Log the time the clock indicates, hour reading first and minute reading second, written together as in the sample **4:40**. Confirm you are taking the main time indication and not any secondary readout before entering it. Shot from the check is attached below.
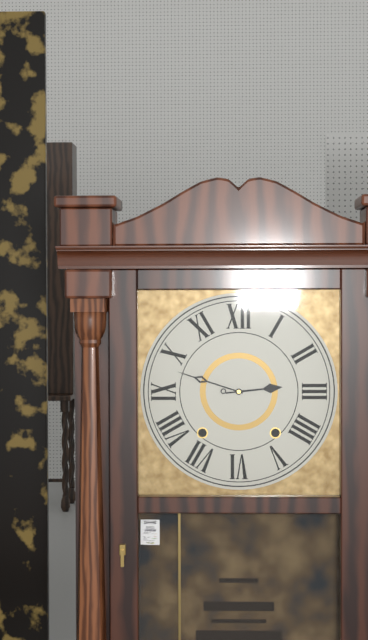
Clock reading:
**2:48**
